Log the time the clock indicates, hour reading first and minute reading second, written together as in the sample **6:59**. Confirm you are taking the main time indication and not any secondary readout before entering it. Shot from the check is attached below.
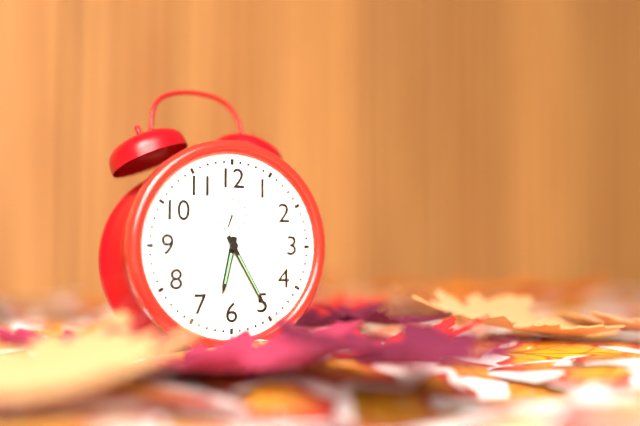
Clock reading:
**6:25**
